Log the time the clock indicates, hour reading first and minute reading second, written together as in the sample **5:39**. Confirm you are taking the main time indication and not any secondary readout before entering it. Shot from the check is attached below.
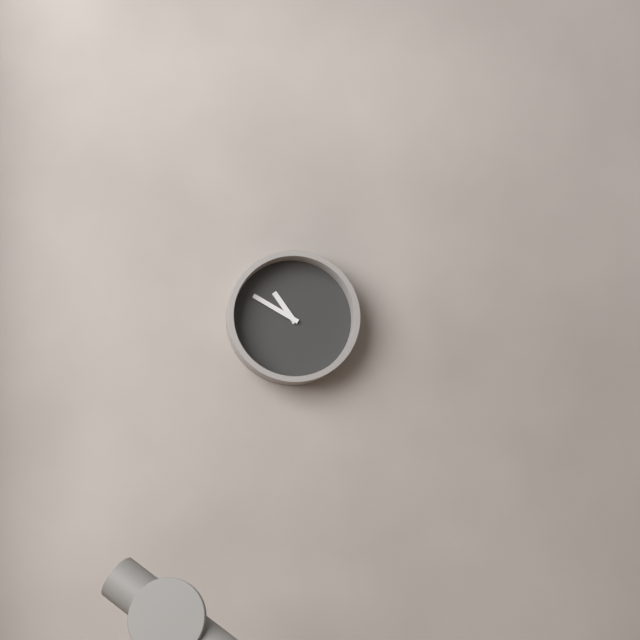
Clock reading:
**10:50**
